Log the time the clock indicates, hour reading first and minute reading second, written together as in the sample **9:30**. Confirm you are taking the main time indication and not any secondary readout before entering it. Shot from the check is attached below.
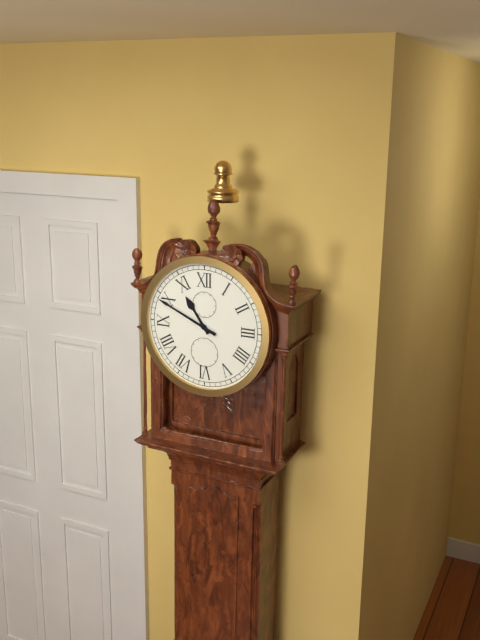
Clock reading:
**10:49**
